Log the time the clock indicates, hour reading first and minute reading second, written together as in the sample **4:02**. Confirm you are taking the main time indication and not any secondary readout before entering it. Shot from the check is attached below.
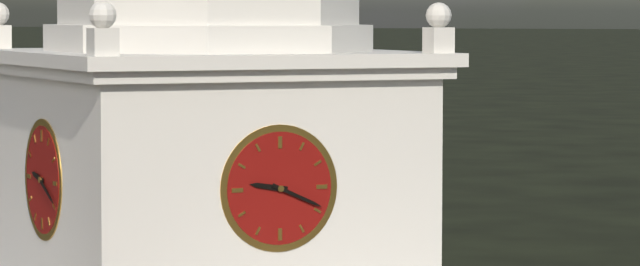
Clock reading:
**9:19**
